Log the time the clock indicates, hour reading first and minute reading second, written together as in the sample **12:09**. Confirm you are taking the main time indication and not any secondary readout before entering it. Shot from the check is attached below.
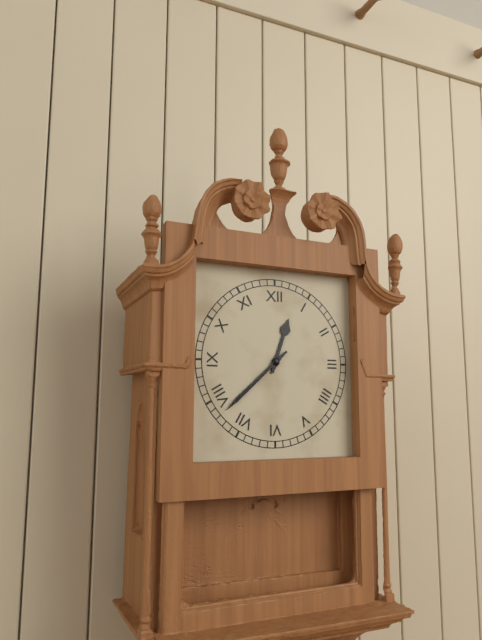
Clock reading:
**12:38**
